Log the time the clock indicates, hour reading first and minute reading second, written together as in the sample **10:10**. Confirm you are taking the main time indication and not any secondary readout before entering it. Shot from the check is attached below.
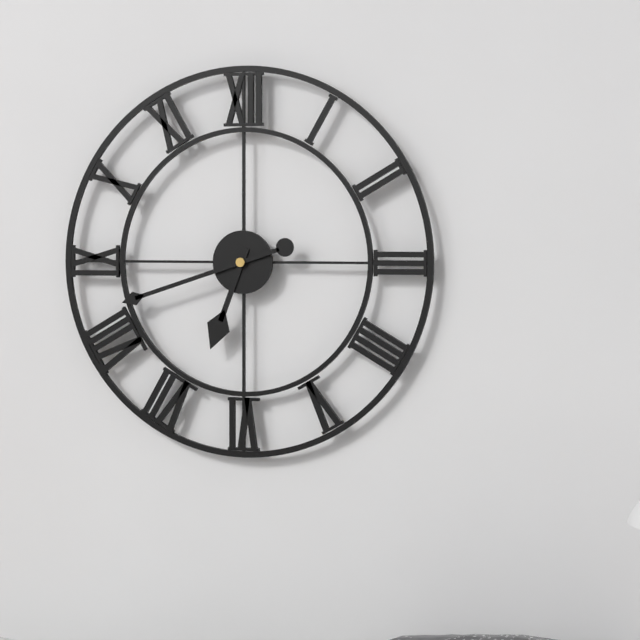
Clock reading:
**6:42**
